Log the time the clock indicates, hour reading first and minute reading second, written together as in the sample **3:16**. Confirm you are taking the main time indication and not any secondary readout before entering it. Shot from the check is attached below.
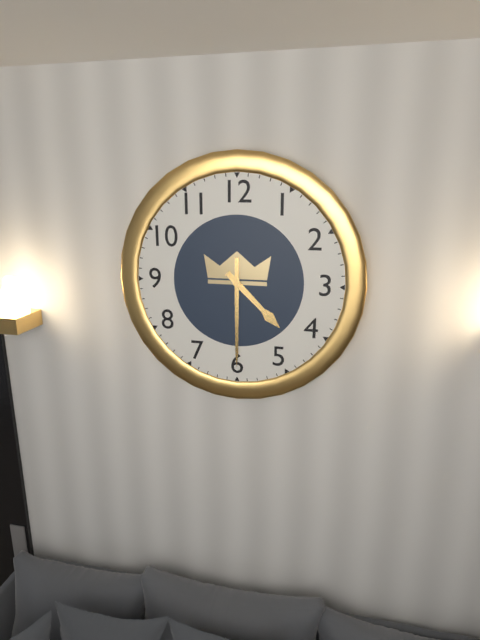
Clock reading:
**4:30**
